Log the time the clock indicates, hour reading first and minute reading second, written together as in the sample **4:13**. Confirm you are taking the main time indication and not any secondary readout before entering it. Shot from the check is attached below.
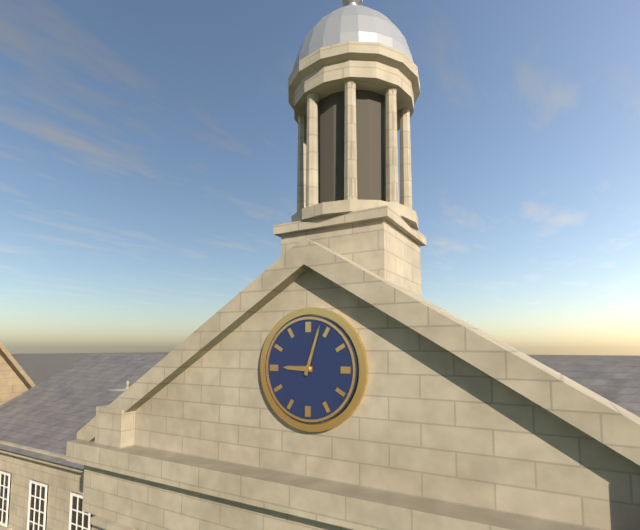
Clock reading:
**9:03**
